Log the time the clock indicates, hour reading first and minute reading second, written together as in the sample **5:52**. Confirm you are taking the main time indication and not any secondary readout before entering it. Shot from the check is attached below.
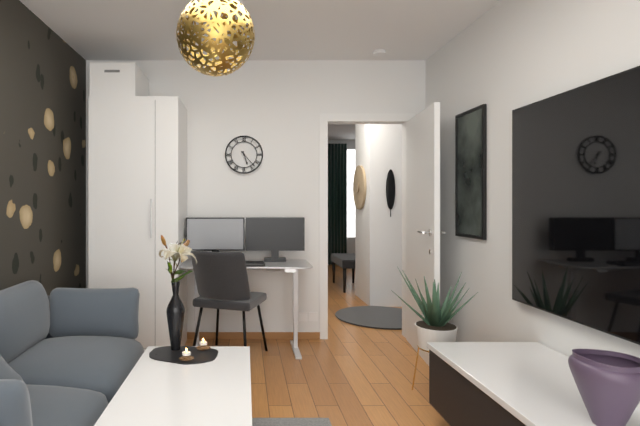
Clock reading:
**5:23**
